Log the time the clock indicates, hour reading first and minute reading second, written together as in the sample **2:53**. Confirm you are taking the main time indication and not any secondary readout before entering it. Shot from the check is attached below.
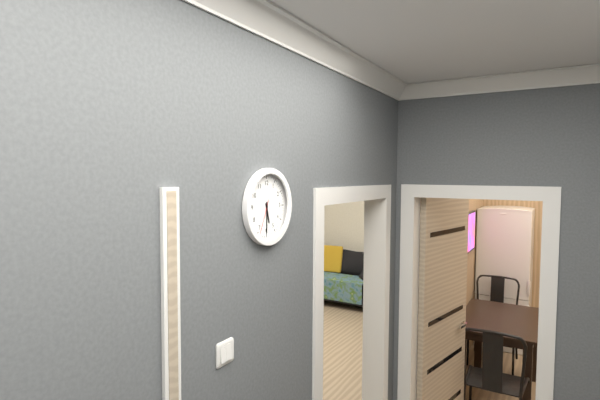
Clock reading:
**5:30**
